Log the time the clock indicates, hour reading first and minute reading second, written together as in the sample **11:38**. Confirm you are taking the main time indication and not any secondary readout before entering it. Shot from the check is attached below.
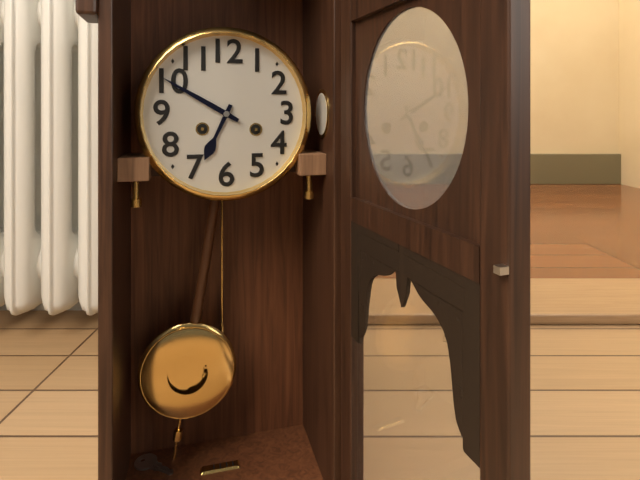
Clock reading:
**6:50**
